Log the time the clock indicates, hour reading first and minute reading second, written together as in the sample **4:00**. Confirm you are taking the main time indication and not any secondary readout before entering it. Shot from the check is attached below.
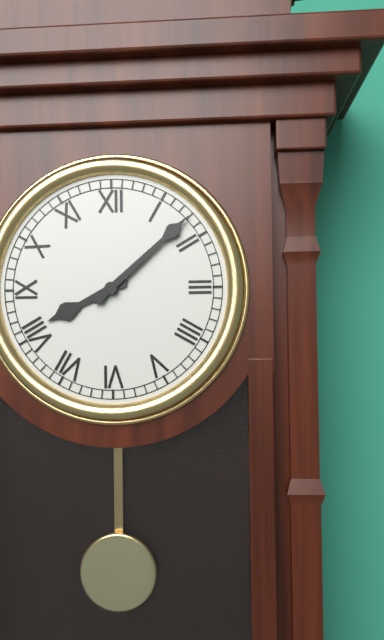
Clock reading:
**8:08**
